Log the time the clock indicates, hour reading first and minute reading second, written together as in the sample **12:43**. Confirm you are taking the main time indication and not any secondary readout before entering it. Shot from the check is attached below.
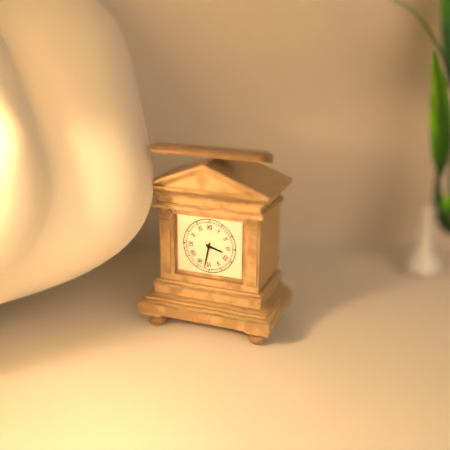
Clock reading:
**3:32**
